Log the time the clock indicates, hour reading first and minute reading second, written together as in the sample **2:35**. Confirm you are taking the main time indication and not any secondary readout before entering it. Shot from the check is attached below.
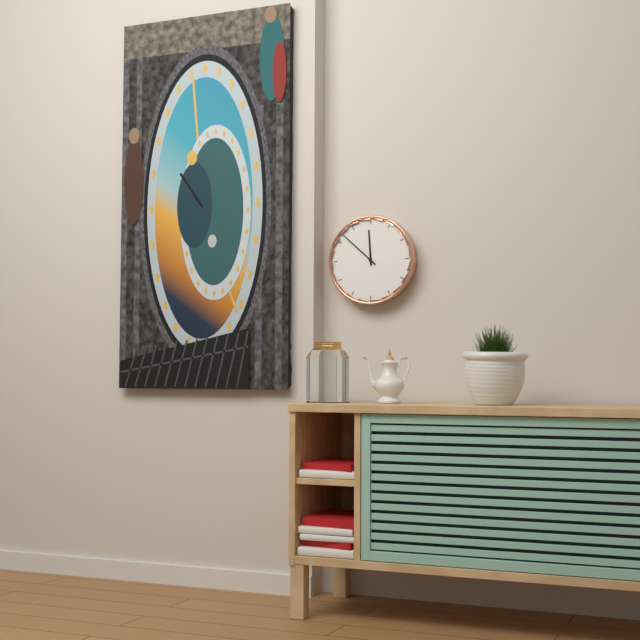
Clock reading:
**11:52**
